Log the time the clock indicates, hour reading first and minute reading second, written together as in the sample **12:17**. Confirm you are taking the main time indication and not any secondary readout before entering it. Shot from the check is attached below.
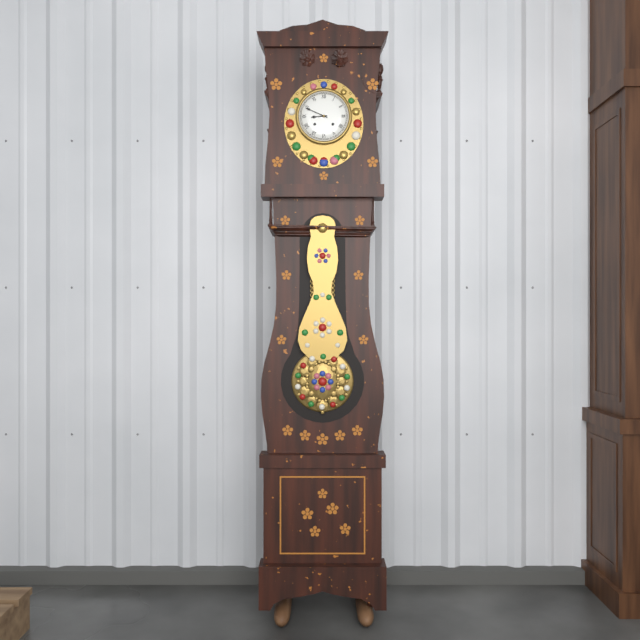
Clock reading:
**8:49**
